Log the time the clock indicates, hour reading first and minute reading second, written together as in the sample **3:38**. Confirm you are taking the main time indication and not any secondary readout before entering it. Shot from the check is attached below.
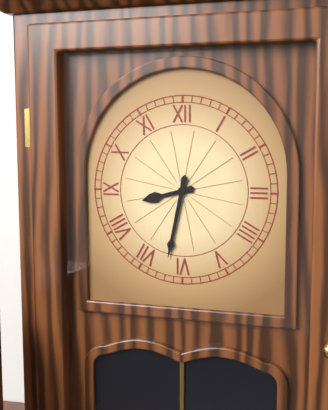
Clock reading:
**8:32**
